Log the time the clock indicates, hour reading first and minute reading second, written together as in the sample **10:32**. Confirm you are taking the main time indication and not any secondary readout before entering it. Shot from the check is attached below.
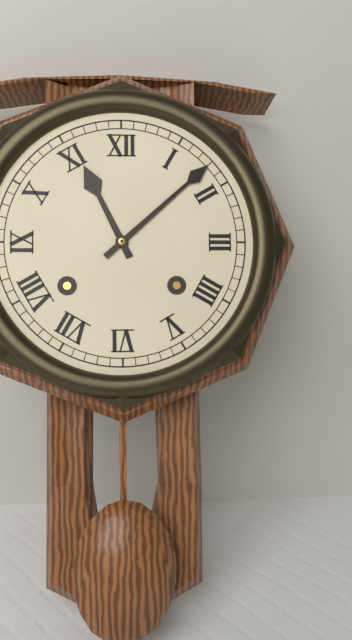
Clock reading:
**11:08**
